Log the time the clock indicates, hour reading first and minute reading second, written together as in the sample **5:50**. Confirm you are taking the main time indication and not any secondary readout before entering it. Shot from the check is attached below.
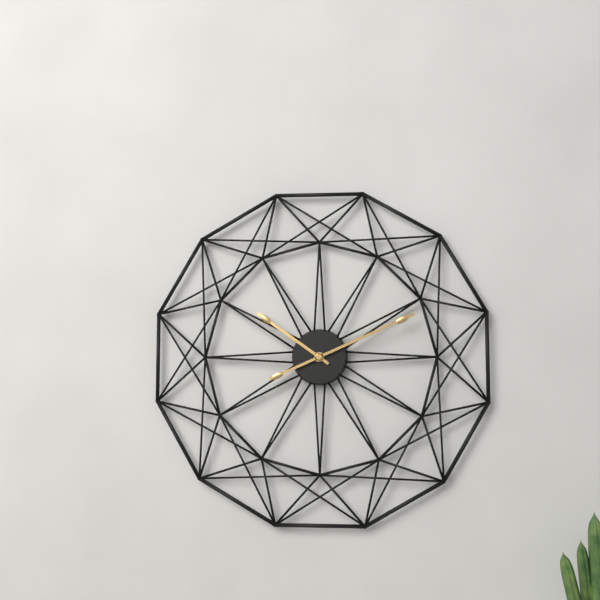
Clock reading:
**10:11**
